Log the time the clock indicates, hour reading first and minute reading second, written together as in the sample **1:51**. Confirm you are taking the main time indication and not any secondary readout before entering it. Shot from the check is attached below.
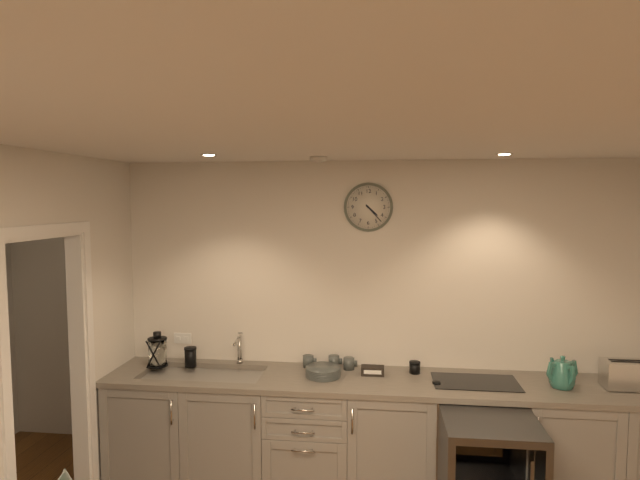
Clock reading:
**4:23**
